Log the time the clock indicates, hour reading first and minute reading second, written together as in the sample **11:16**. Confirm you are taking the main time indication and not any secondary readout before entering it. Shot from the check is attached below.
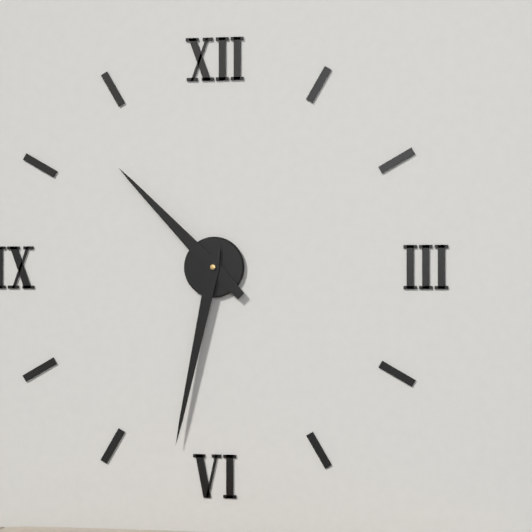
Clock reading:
**10:32**
